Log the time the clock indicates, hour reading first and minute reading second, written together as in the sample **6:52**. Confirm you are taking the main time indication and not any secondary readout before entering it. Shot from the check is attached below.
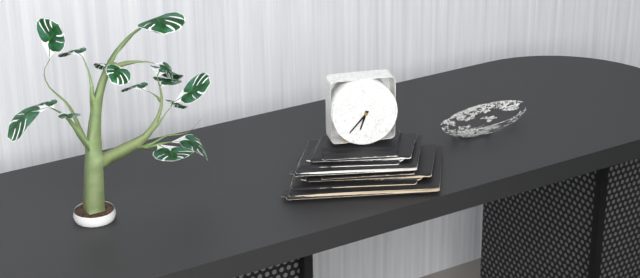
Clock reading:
**6:37**
